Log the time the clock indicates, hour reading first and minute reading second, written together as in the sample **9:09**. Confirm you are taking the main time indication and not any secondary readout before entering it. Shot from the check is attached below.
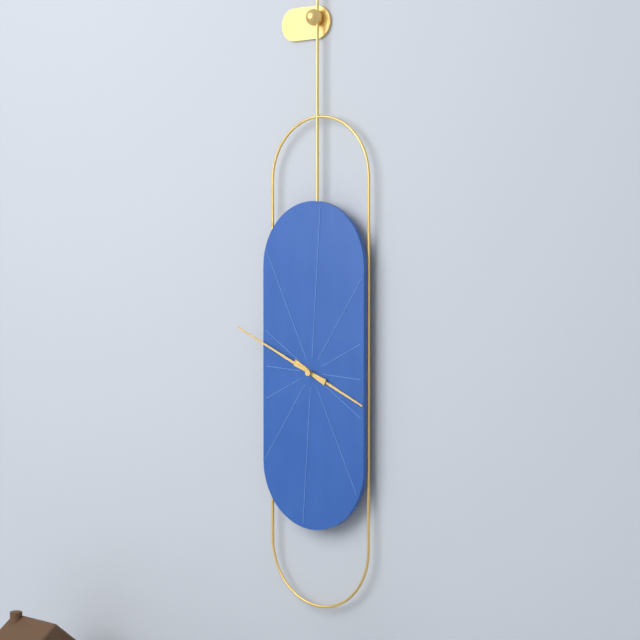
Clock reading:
**3:49**
